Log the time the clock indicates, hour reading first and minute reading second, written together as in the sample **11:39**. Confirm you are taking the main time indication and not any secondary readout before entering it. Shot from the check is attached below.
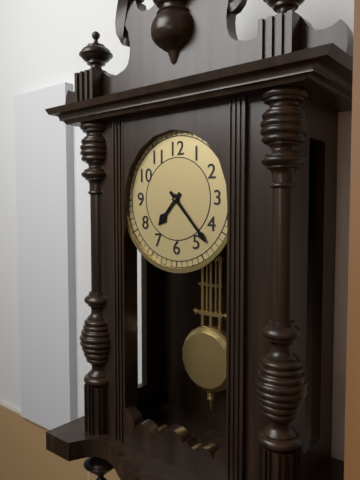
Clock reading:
**7:23**
